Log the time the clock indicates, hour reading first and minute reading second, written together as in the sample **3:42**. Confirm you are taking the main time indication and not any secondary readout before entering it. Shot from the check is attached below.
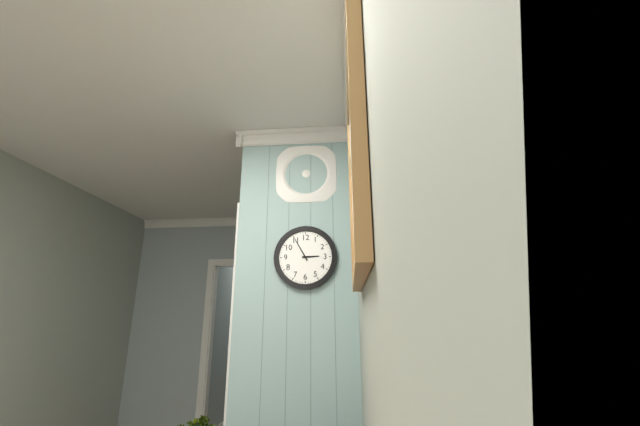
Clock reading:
**2:55**
